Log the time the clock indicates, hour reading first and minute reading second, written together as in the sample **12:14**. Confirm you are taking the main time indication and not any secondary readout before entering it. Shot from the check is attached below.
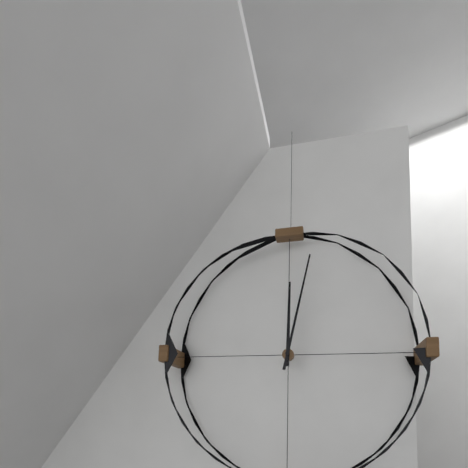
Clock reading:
**12:02**
